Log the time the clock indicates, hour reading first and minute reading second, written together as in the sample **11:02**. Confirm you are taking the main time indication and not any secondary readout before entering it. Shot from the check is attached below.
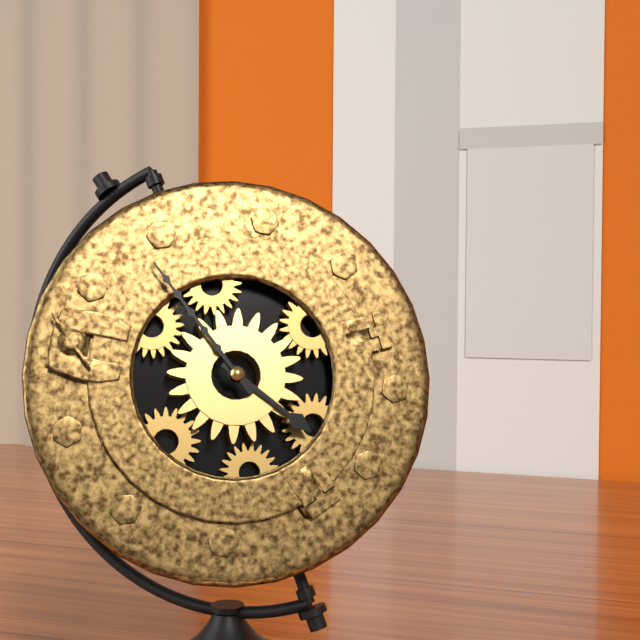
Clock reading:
**3:52**
